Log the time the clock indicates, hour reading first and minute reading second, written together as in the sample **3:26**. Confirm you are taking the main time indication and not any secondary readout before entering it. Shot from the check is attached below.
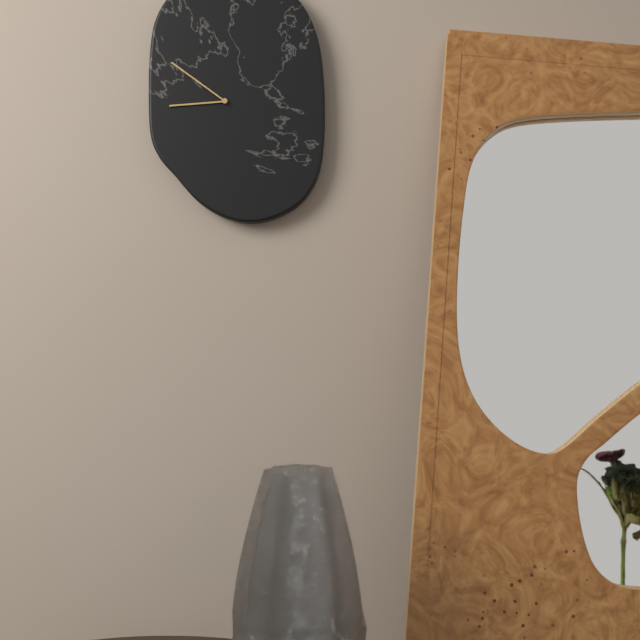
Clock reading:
**8:51**
